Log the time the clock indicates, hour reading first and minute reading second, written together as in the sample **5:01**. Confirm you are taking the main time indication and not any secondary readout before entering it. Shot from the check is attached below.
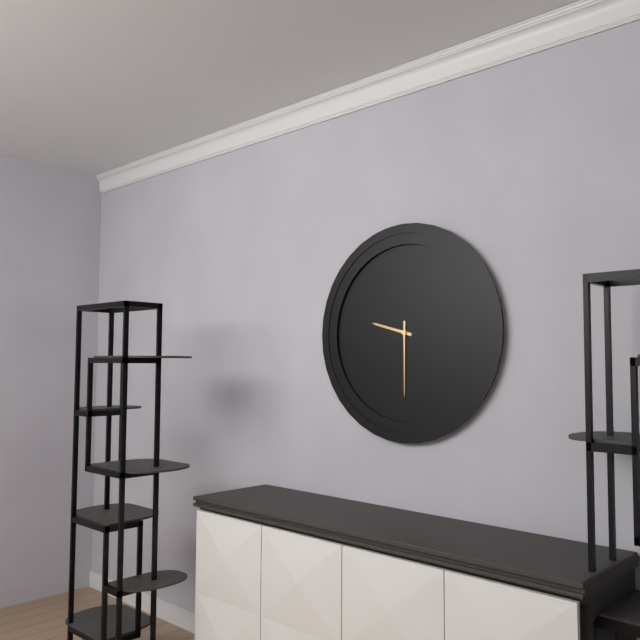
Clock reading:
**9:30**
